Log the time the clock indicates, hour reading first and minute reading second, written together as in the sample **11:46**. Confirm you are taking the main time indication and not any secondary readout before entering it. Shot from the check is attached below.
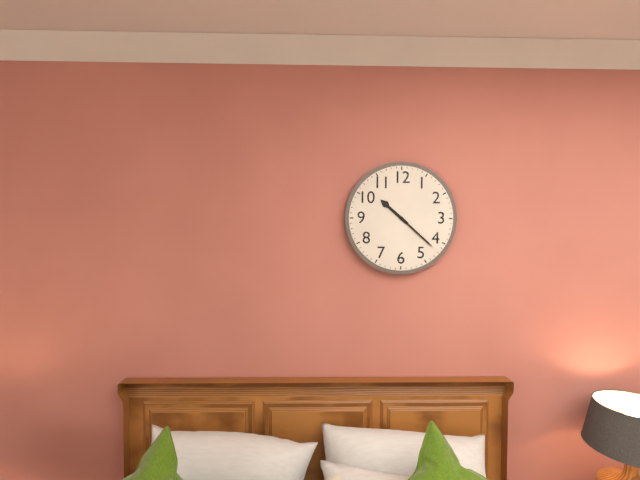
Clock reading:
**10:22**
